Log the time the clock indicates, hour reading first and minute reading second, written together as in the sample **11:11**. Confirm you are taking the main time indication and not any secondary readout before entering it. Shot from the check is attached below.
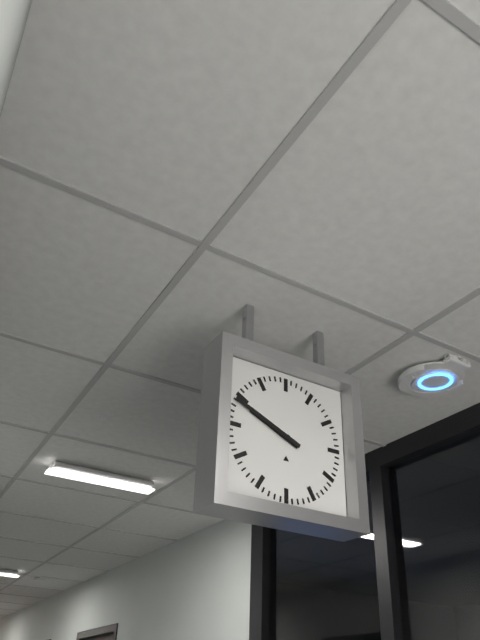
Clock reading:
**9:49**
